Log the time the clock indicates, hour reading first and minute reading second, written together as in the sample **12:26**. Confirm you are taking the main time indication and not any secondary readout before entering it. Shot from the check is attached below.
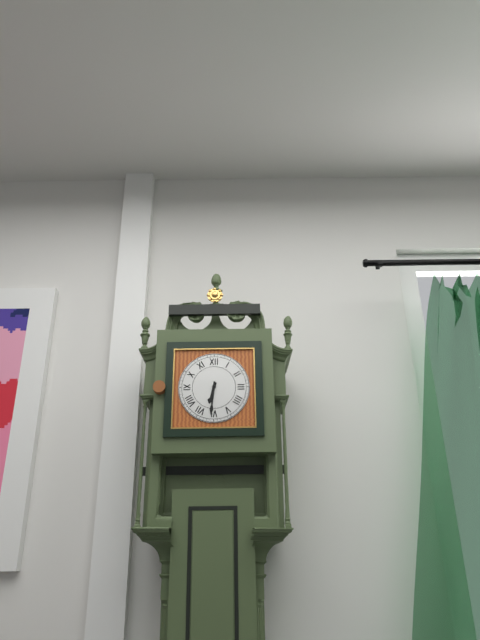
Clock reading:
**6:31**
